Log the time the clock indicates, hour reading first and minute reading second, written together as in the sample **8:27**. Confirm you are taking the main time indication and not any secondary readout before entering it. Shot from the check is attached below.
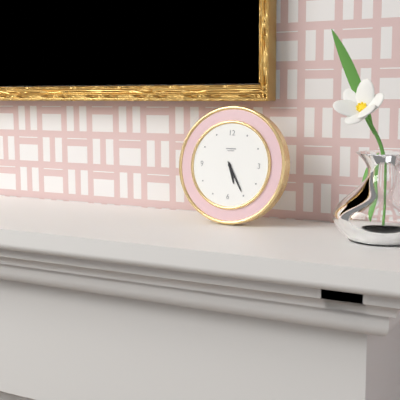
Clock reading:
**5:25**
